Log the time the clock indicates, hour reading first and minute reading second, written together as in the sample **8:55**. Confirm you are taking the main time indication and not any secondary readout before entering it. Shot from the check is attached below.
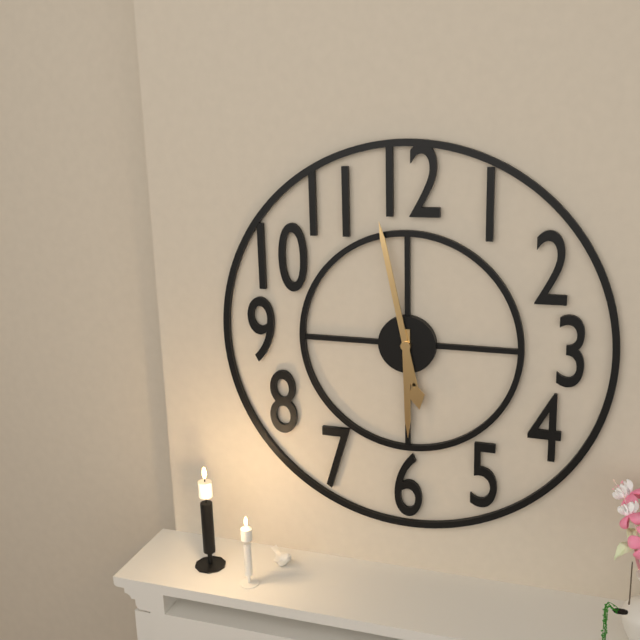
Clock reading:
**5:58**
